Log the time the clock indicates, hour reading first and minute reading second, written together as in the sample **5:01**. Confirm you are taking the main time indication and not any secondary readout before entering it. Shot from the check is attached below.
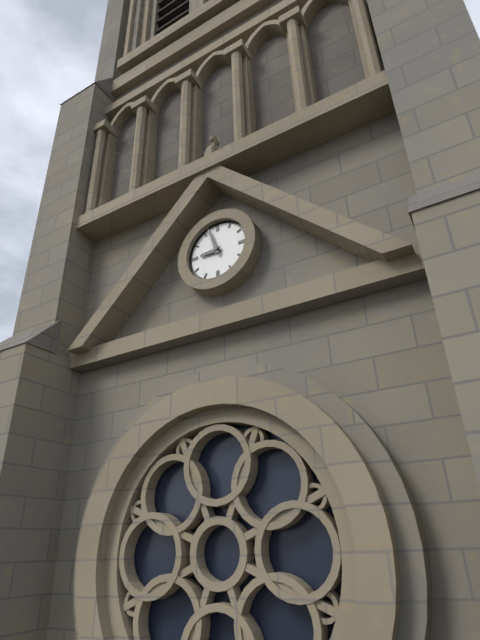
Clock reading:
**8:57**
